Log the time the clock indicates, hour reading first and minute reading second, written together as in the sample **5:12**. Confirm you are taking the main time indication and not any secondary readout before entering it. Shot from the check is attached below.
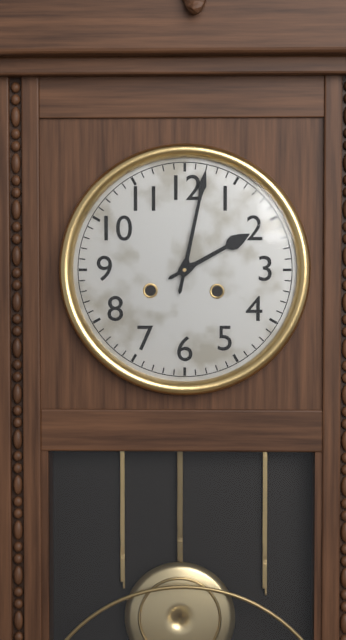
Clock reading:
**2:02**
